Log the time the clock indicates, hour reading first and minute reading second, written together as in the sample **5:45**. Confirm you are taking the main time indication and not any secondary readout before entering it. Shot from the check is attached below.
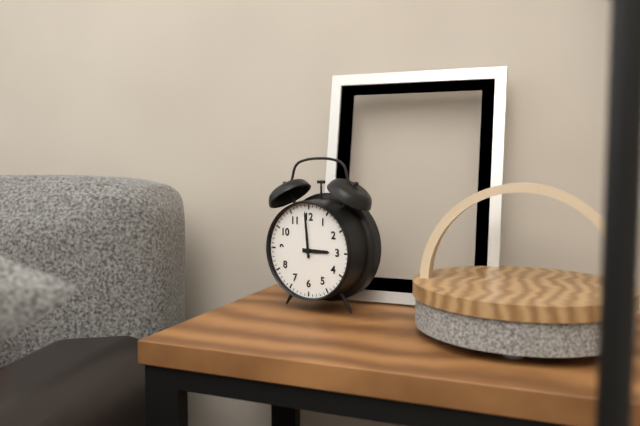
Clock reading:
**2:59**
